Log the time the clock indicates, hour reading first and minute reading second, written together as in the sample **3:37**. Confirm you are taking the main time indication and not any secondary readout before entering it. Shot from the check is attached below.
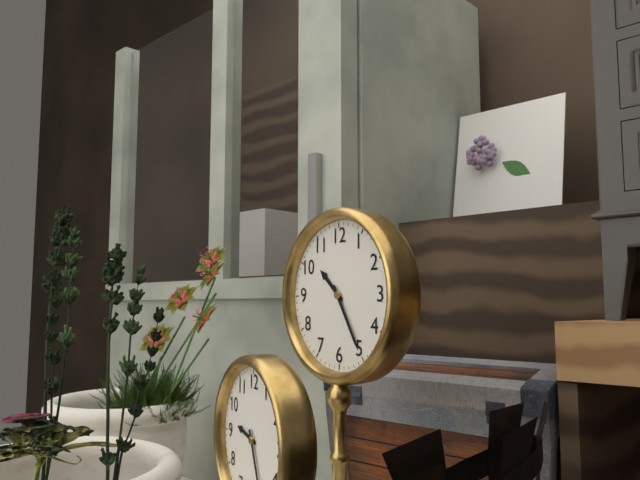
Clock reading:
**10:25**
